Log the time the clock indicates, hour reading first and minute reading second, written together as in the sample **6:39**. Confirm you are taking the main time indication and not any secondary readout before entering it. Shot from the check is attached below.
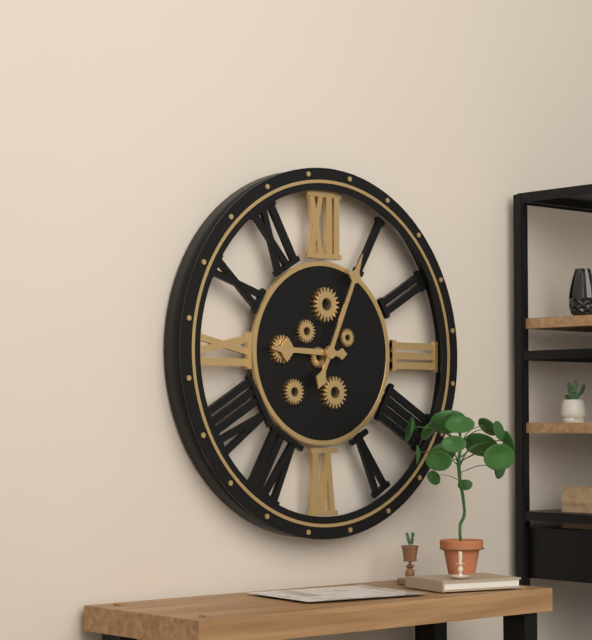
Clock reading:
**9:04**
